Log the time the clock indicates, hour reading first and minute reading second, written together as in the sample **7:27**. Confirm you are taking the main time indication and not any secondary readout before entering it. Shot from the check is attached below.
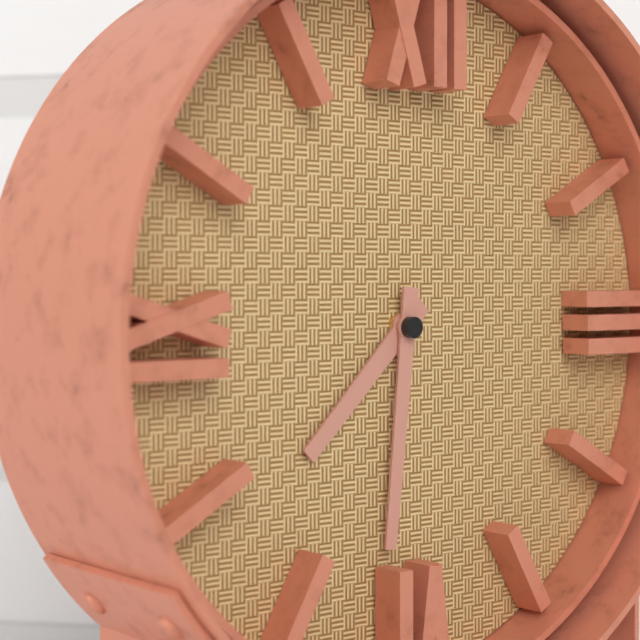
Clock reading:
**7:31**
